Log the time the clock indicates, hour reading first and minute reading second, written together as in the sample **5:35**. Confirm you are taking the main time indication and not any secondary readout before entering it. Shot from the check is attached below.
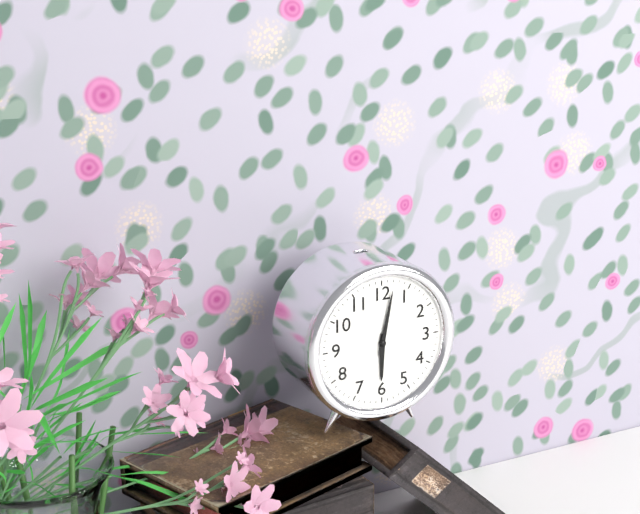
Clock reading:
**6:02**
